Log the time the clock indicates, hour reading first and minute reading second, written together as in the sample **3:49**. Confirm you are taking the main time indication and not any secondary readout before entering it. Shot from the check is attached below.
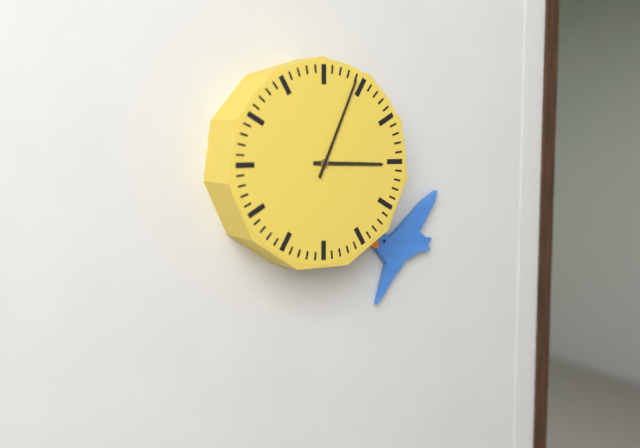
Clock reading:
**3:04**
